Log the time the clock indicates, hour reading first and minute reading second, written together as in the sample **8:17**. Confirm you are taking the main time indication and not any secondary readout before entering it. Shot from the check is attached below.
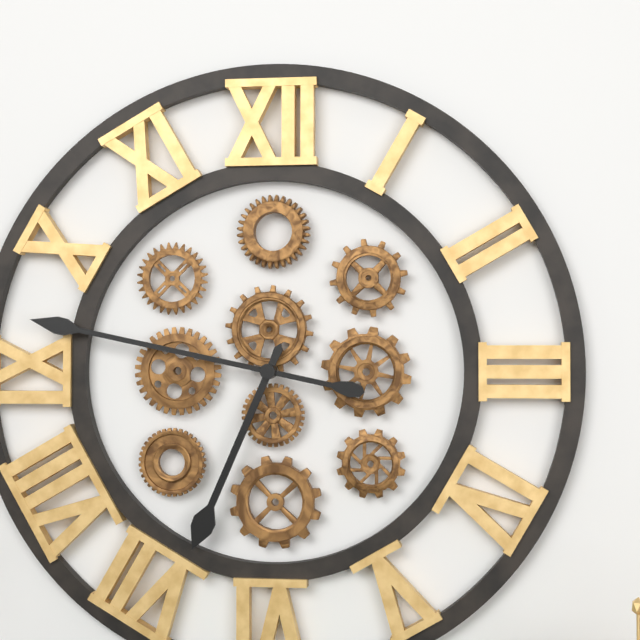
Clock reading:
**6:47**
